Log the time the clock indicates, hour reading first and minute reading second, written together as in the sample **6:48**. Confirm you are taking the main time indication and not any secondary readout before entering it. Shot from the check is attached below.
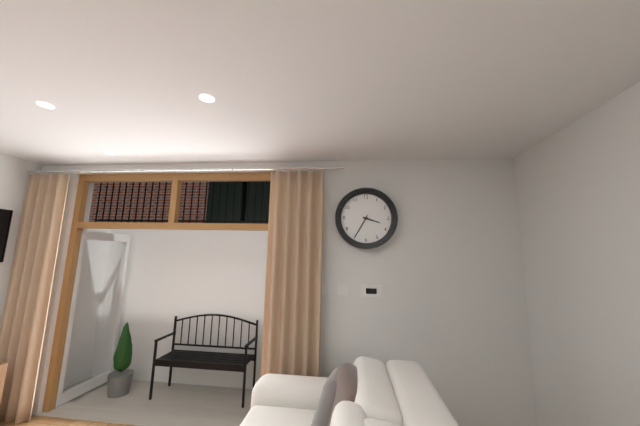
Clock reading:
**3:35**
